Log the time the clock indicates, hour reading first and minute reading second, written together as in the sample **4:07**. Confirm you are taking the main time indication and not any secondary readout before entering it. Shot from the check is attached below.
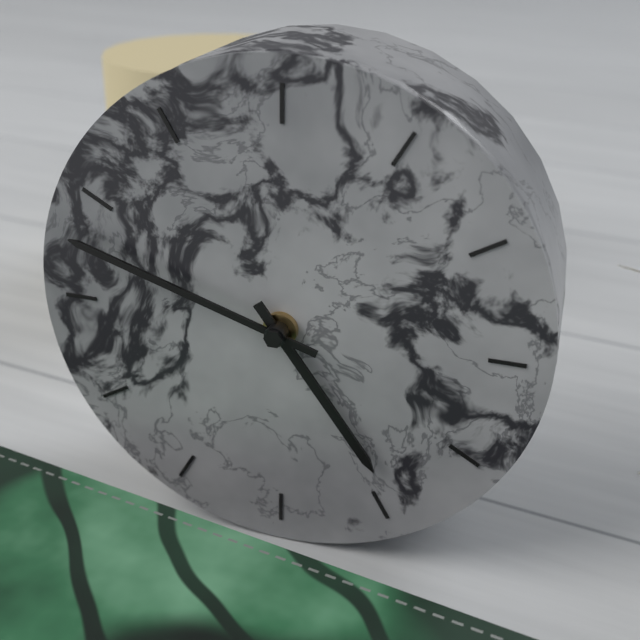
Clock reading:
**4:48**
